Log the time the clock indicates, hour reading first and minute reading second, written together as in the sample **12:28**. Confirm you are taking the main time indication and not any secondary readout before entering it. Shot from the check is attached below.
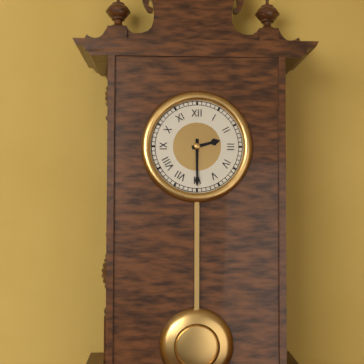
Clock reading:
**2:30**
